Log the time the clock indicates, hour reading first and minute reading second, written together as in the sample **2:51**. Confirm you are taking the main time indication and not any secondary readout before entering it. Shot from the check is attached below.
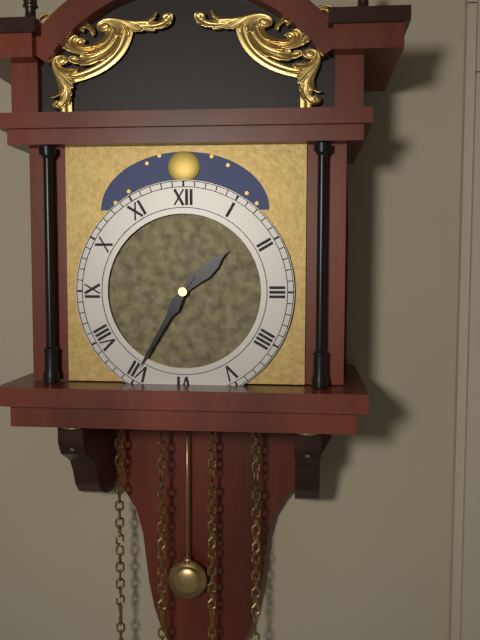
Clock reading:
**1:35**
